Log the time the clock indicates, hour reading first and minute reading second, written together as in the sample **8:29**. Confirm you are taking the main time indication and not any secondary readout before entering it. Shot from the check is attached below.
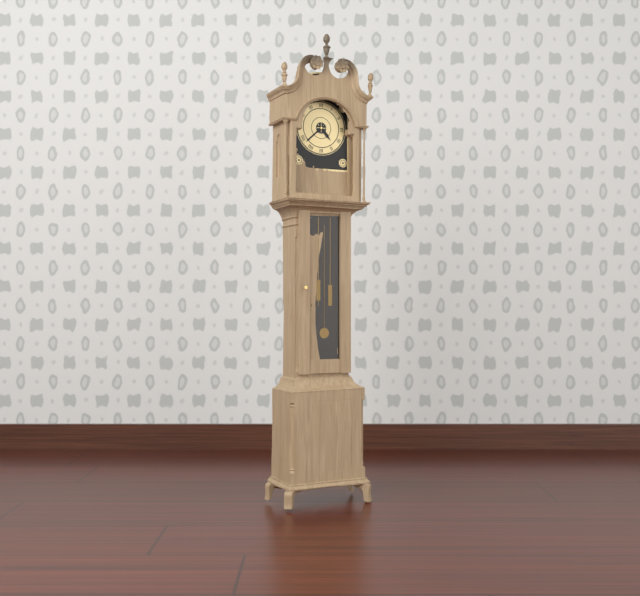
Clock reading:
**4:38**
